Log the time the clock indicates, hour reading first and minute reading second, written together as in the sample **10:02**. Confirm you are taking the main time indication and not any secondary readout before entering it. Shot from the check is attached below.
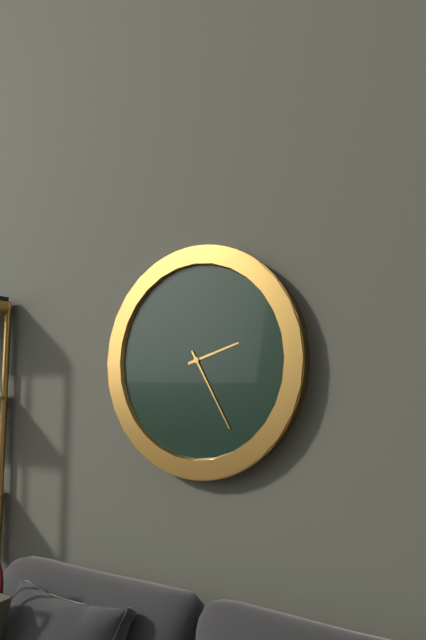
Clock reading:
**2:25**
